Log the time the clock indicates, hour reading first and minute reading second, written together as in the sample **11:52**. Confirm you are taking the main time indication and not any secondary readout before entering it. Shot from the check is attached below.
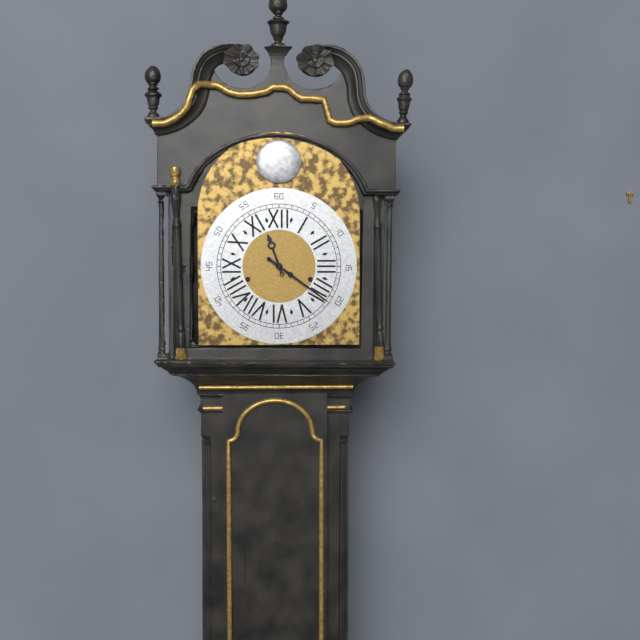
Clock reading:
**11:21**
